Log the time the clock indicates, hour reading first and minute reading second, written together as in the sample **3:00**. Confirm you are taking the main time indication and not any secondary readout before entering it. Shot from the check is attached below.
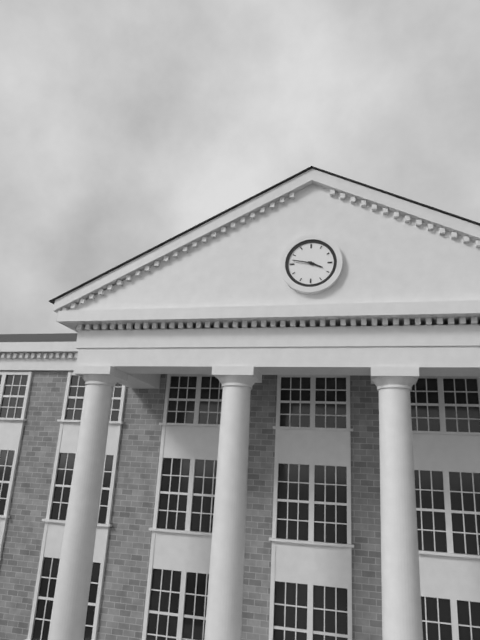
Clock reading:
**3:47**
